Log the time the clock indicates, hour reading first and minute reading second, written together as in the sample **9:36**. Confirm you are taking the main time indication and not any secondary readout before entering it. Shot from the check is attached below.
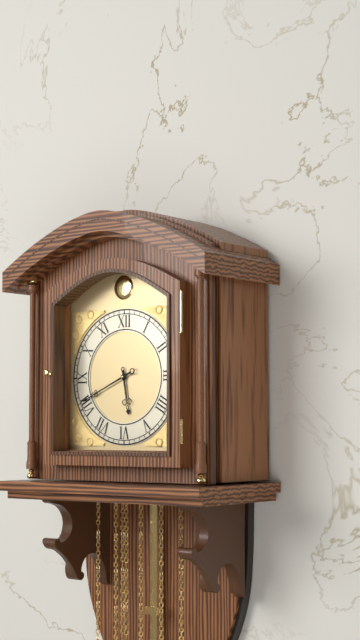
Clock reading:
**5:41**
